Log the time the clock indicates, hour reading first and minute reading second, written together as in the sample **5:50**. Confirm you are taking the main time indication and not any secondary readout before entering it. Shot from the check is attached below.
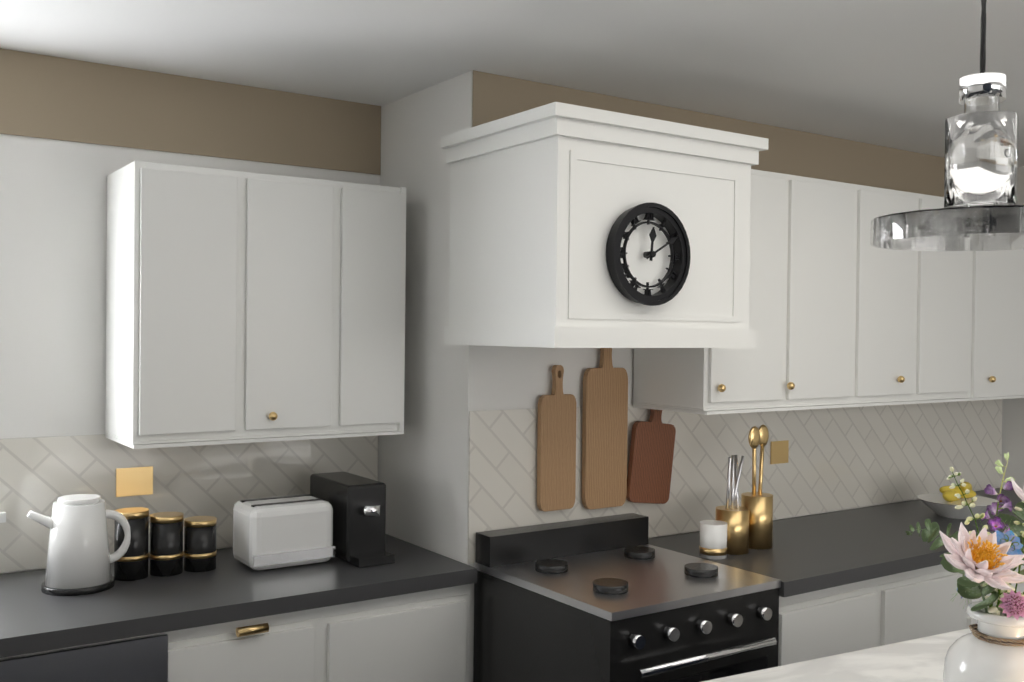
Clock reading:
**12:10**
